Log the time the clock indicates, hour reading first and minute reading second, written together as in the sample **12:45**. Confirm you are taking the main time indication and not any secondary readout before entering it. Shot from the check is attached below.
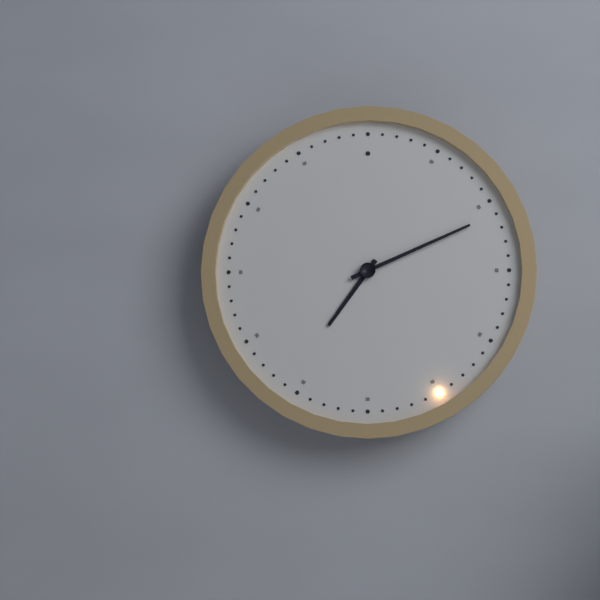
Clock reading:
**7:11**
